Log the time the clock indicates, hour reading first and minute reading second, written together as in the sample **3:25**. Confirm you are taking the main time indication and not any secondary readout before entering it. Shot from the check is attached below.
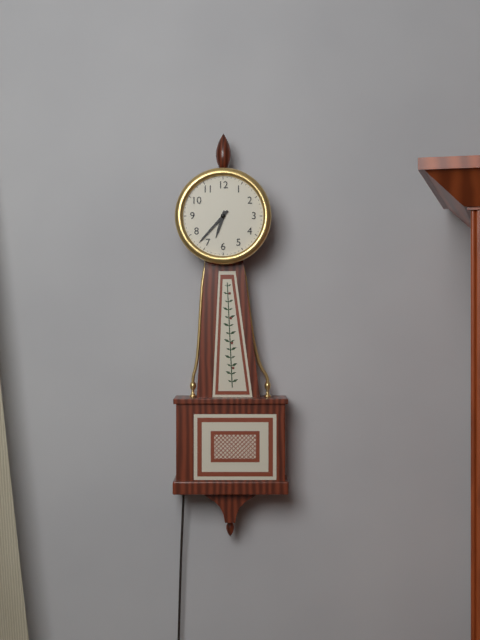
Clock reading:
**6:37**
